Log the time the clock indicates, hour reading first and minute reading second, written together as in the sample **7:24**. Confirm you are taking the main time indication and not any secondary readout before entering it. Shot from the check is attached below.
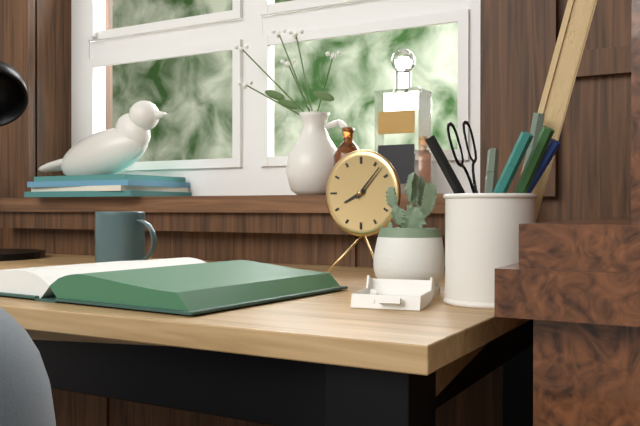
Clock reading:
**8:07**
